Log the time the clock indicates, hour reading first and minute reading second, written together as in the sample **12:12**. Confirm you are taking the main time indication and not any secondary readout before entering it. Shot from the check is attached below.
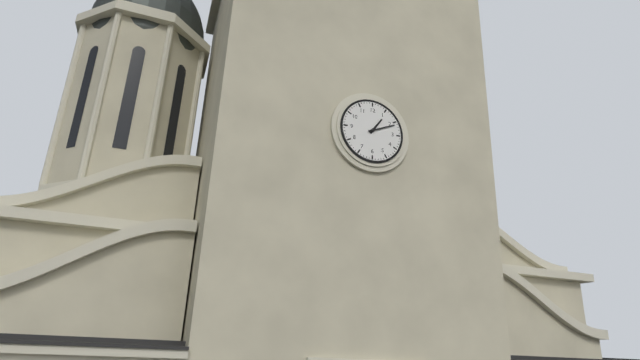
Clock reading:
**1:11**
